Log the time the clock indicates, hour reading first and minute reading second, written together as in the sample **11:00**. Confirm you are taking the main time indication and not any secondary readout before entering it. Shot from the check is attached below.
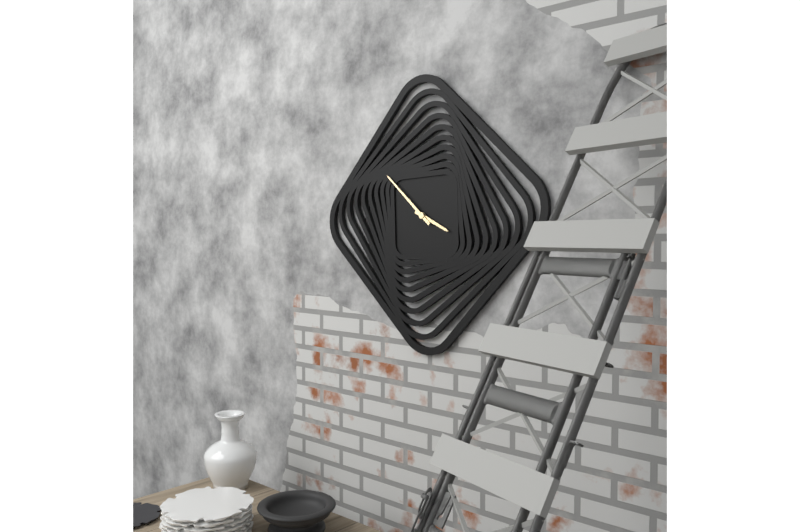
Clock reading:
**3:52**
